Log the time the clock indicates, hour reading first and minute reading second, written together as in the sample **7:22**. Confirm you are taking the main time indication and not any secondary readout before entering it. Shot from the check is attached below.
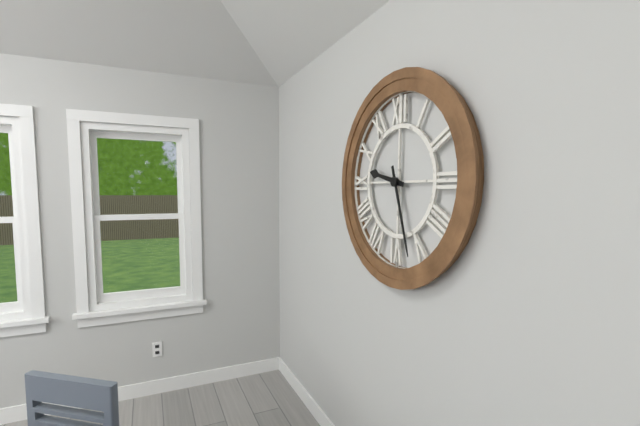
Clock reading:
**9:27**
